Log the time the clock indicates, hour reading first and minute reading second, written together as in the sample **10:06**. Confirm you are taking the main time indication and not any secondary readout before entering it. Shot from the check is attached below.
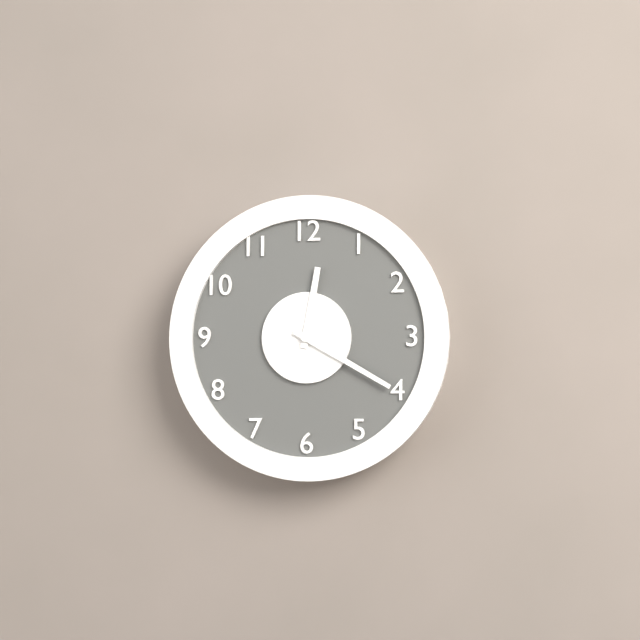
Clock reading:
**12:20**
